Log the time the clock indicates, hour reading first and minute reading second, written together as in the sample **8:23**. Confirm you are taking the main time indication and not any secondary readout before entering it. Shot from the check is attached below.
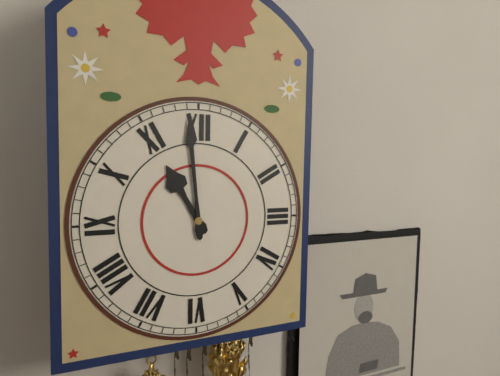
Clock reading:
**10:59**
